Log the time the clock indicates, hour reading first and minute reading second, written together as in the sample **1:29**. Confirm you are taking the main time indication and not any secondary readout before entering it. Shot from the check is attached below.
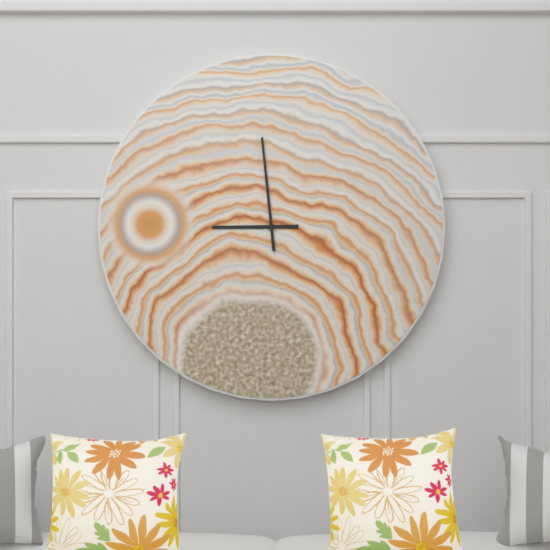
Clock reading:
**8:59**
